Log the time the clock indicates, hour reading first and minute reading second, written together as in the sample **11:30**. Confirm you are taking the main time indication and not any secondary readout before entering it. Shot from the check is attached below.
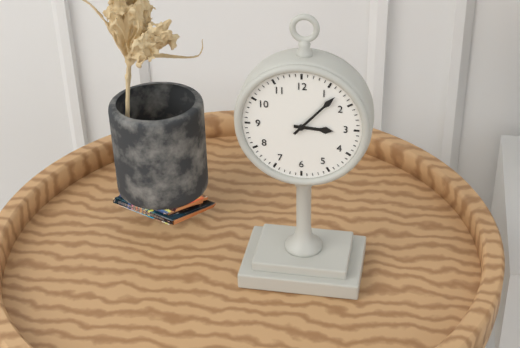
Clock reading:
**3:07**
